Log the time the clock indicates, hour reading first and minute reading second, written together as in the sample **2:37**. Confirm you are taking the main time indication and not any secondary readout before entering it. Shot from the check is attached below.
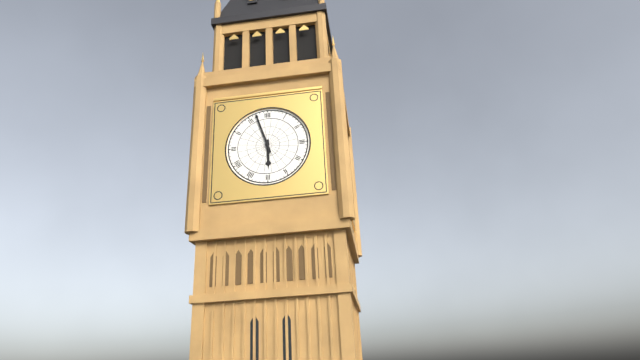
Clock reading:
**5:57**
